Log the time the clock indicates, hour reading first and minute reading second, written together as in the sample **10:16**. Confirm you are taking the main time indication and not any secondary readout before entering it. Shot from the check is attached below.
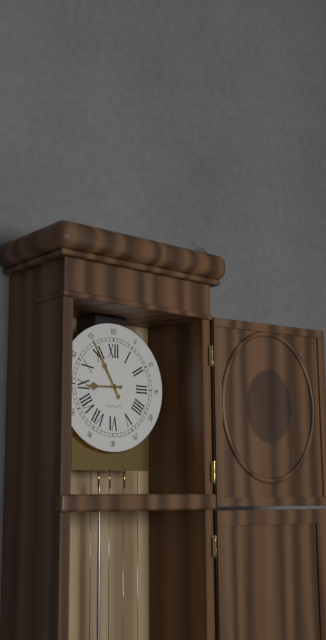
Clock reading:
**8:55**
